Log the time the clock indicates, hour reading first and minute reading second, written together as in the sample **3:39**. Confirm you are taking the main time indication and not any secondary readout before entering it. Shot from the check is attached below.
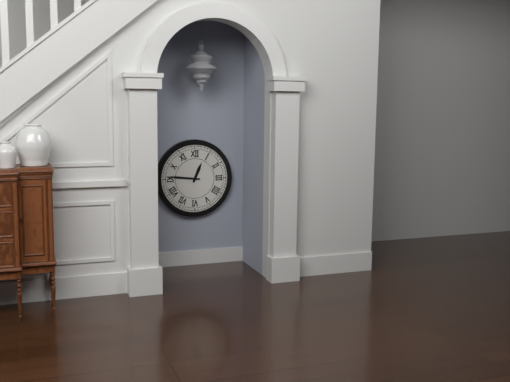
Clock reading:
**12:46**
